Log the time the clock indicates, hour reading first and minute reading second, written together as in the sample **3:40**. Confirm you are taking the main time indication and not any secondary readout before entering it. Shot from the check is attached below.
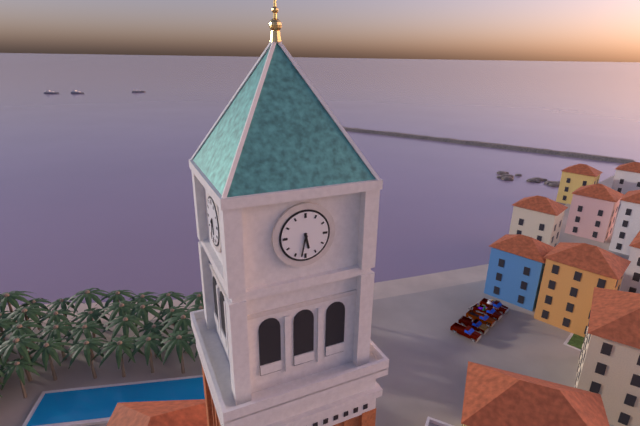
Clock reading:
**5:32**
